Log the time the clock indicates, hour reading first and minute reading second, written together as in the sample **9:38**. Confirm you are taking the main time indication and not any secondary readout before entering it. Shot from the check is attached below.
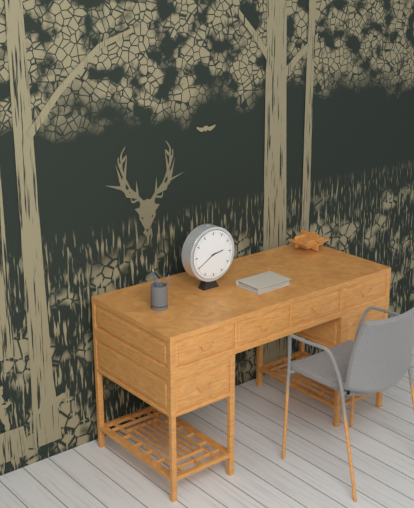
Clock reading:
**2:40**
